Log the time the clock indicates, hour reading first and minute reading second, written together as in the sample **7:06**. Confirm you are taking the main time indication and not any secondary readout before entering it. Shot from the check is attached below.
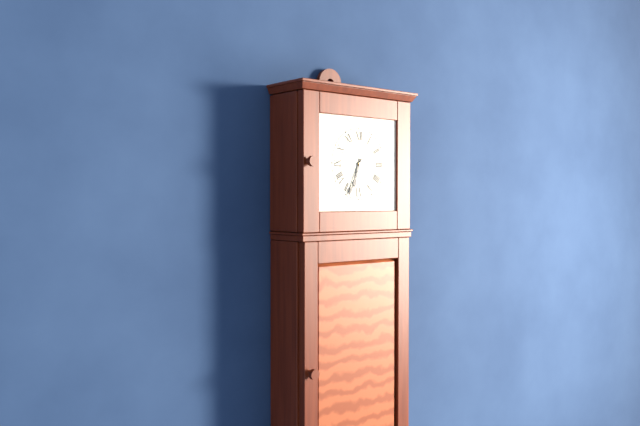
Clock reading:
**6:34**
